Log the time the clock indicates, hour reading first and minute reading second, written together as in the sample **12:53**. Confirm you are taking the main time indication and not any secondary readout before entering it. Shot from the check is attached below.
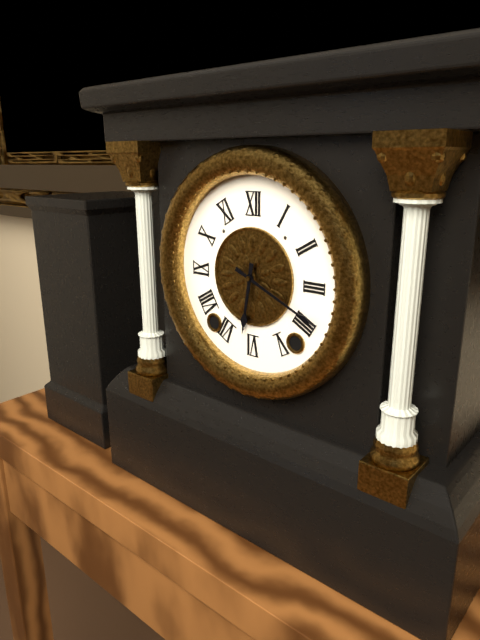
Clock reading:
**6:19**
